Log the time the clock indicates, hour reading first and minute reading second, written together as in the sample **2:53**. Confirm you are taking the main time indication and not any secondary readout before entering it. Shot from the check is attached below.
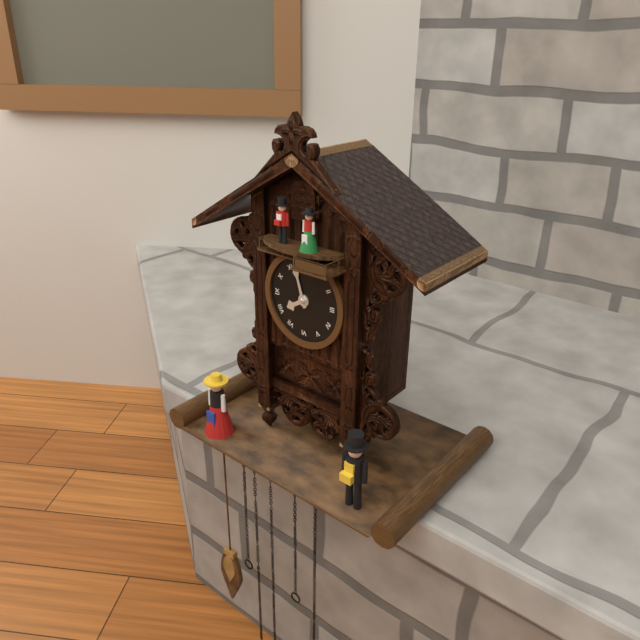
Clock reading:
**7:57**
